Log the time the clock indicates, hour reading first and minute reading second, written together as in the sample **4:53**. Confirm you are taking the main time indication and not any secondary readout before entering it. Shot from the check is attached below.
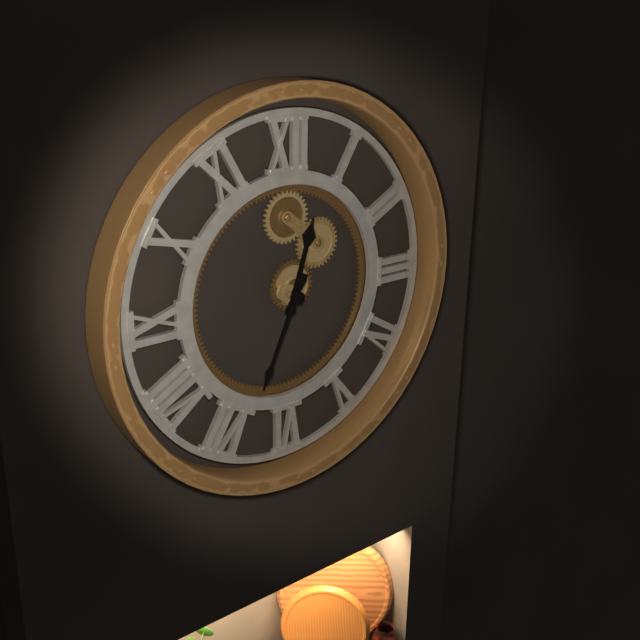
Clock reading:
**12:34**
